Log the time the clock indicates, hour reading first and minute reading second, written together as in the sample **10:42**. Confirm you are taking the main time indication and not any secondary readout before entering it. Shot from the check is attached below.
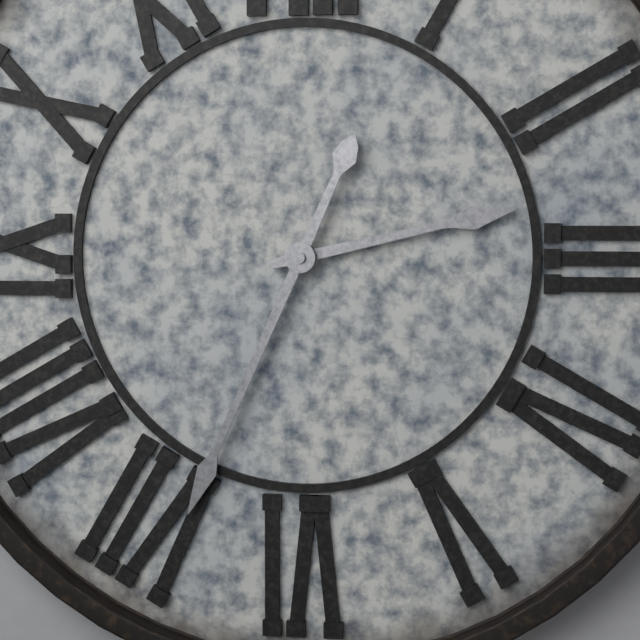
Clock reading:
**2:34**
